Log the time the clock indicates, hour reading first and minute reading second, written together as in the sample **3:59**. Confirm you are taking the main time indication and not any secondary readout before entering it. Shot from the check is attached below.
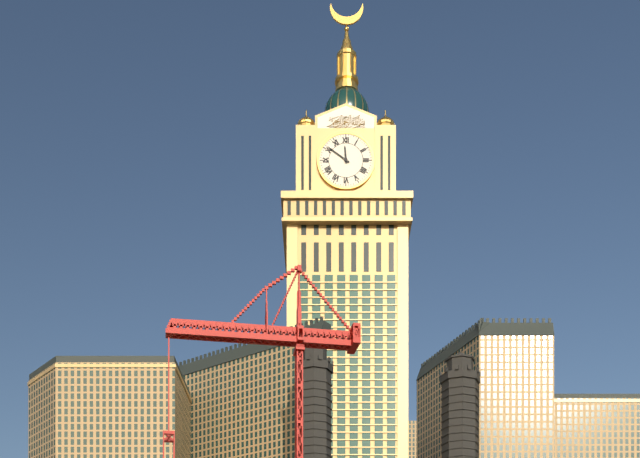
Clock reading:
**11:51**
